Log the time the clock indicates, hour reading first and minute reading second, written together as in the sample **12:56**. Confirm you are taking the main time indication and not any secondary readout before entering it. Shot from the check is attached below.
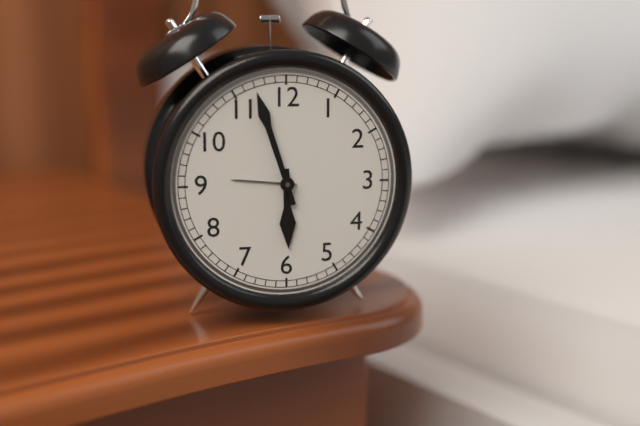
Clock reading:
**5:57**
